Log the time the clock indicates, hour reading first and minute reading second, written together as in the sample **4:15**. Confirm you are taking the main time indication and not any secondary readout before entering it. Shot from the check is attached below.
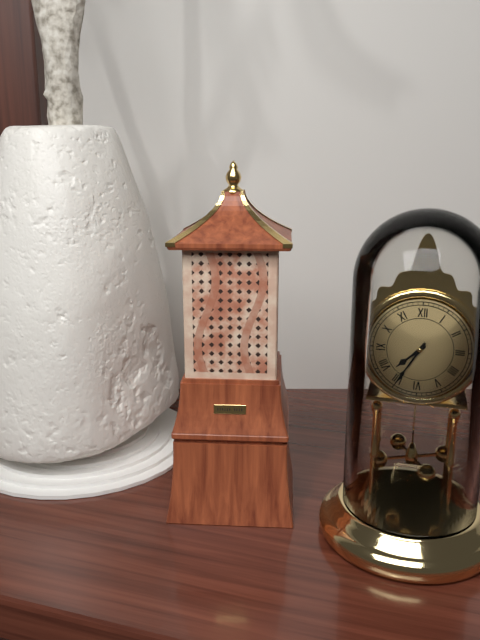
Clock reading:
**7:35**
